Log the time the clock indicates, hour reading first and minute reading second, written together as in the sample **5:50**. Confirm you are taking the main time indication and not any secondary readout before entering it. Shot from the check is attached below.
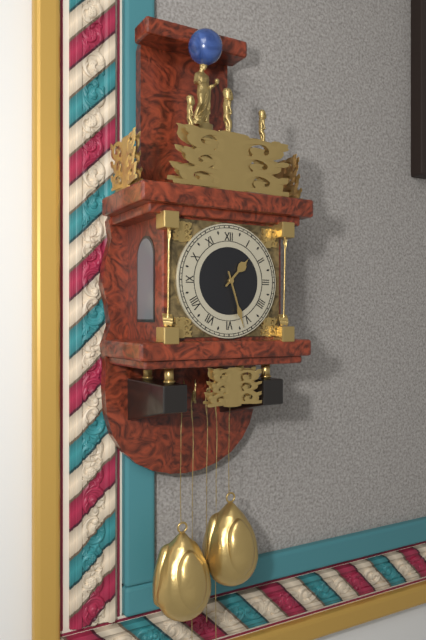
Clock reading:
**1:27**
